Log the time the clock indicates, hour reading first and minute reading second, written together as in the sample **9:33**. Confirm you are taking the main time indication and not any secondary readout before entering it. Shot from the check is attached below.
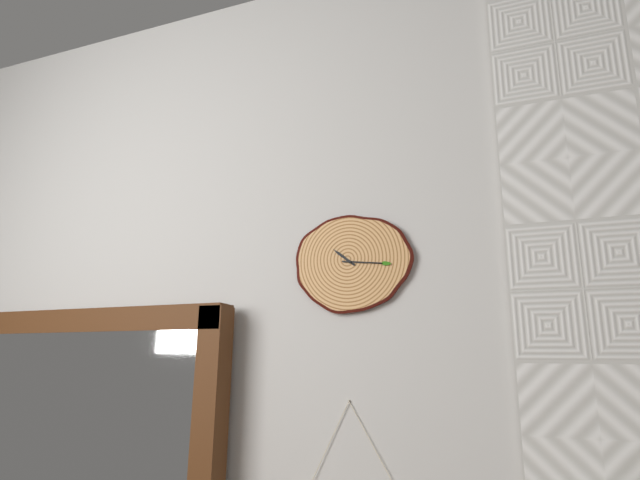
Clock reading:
**10:16**
